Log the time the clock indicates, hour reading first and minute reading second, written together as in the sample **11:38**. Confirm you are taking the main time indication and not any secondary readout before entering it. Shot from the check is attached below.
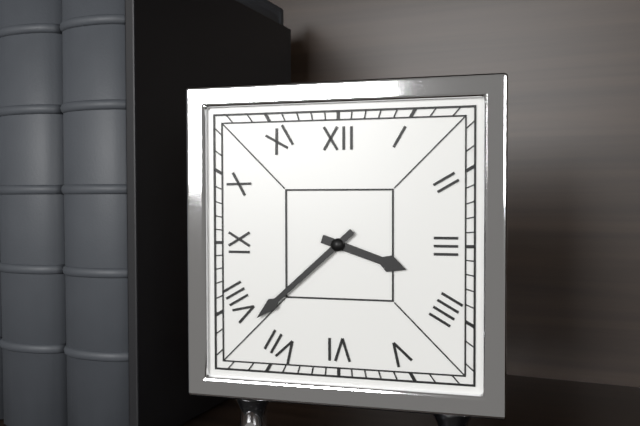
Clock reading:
**3:38**
